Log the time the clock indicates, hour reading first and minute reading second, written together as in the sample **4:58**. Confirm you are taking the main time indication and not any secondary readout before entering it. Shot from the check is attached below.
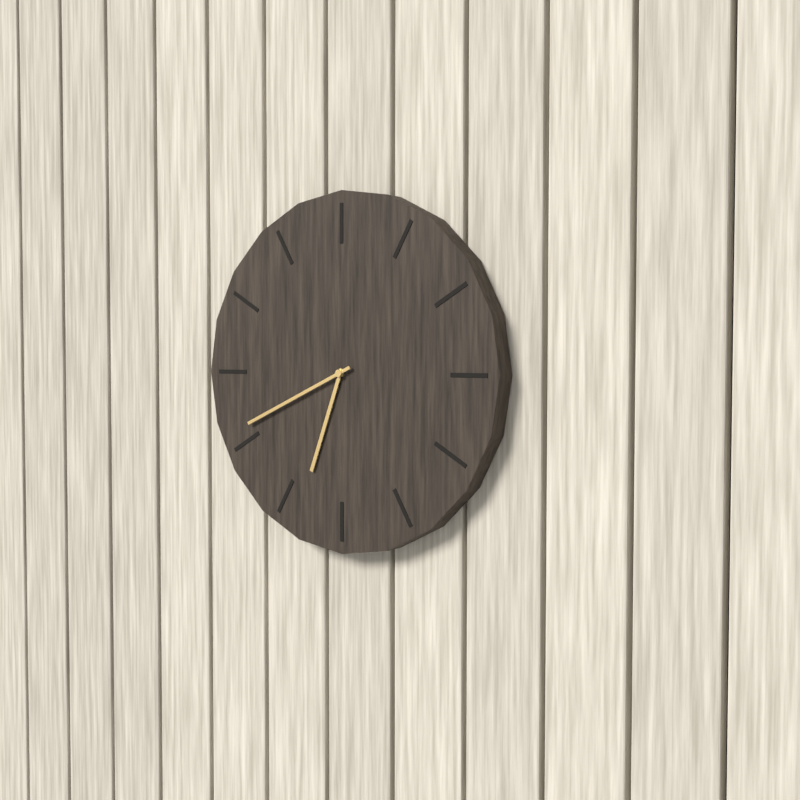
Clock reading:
**6:41**
